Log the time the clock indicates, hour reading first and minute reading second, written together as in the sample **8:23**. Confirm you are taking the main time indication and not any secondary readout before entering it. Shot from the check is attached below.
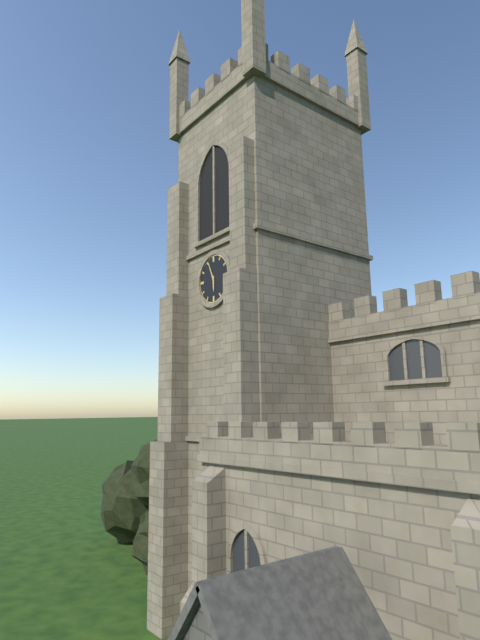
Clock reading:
**5:56**
